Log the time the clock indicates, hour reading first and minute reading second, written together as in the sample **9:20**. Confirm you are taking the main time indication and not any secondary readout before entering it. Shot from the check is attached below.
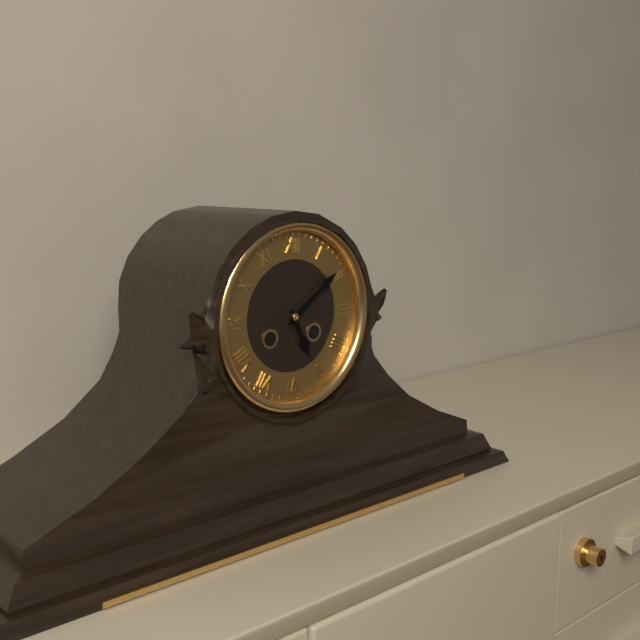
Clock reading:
**5:09**
